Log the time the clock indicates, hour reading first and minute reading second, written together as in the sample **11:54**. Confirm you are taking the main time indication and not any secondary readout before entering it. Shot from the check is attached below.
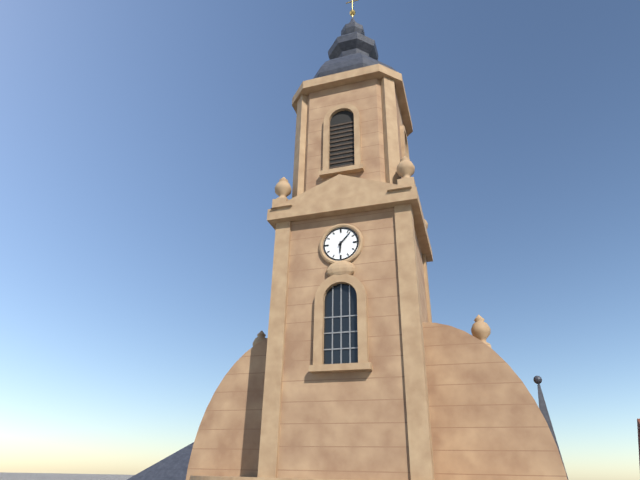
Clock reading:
**6:07**
